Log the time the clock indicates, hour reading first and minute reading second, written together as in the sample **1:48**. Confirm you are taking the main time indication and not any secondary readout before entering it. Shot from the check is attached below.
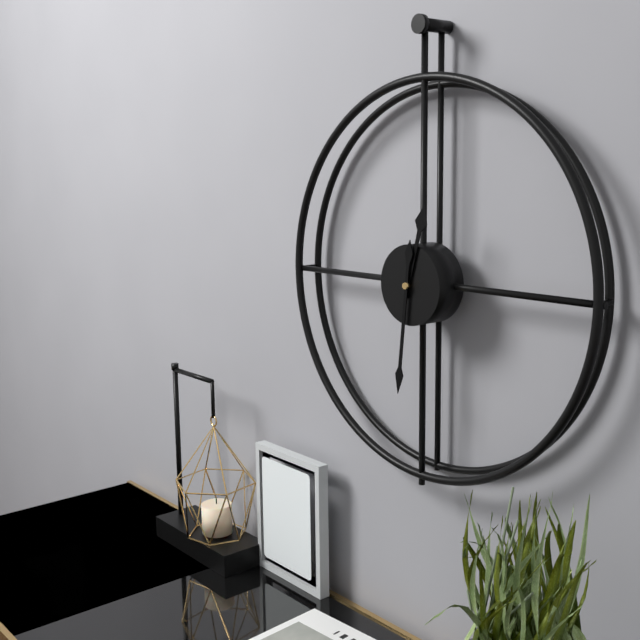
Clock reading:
**12:31**
